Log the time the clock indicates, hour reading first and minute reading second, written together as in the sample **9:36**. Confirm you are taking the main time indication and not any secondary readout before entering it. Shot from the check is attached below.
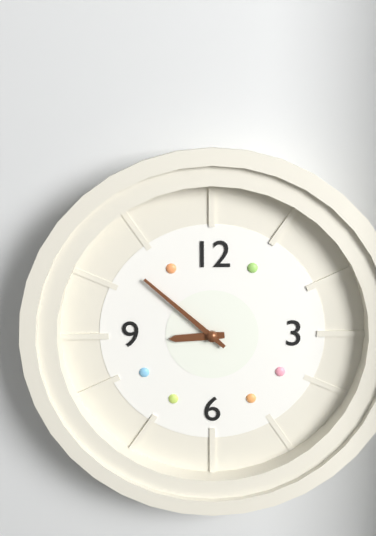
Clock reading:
**8:52**
